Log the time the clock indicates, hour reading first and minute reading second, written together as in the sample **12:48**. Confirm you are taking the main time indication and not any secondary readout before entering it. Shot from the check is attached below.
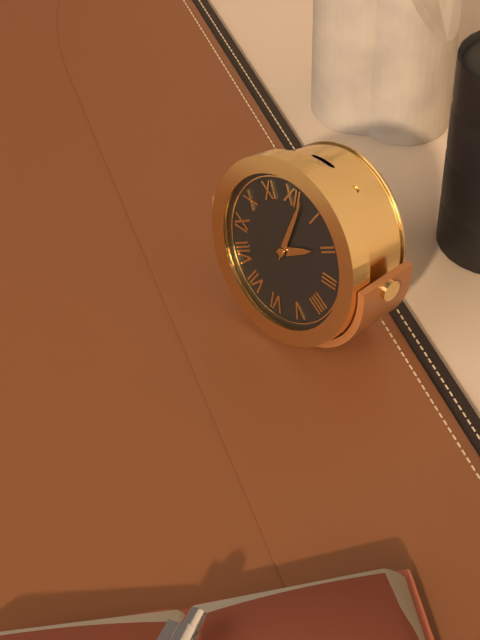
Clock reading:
**2:02**
